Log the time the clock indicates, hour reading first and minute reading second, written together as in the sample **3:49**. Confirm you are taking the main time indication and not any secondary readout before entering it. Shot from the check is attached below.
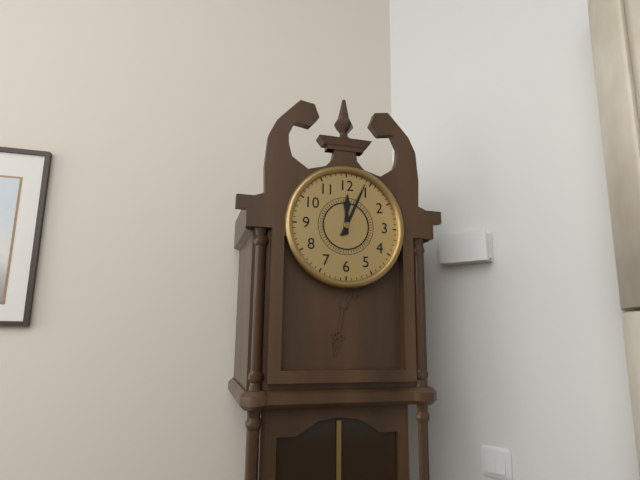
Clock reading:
**12:04**
